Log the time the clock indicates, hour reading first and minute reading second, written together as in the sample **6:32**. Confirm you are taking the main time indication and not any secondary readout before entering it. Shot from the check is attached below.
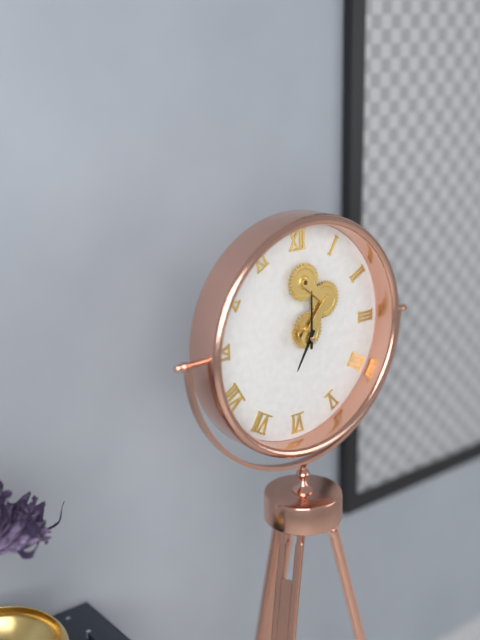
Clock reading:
**7:00**
